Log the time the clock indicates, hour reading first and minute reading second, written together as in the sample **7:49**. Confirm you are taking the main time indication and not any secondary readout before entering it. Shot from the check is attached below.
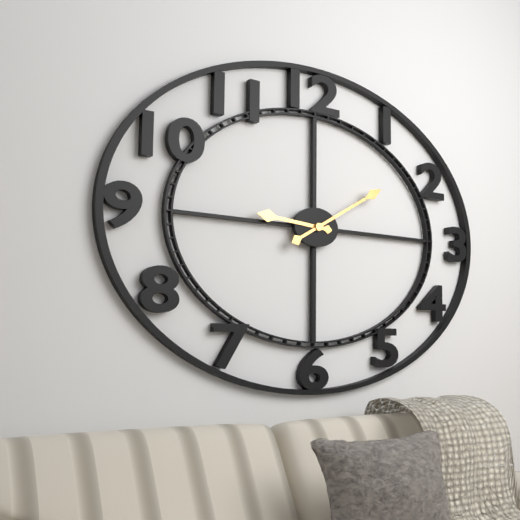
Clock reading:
**9:10**
